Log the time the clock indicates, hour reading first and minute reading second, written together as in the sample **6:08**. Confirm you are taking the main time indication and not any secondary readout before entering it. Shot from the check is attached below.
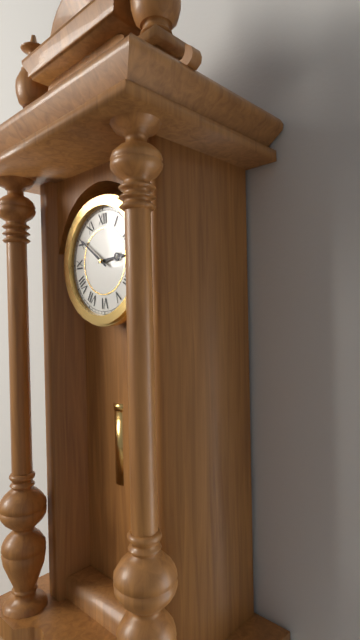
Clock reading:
**2:51**
